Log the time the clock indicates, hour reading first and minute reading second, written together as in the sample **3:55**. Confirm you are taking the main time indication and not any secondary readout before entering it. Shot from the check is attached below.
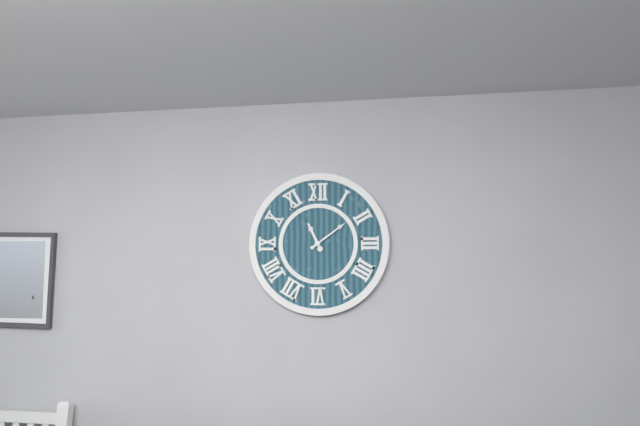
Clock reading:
**11:09**
